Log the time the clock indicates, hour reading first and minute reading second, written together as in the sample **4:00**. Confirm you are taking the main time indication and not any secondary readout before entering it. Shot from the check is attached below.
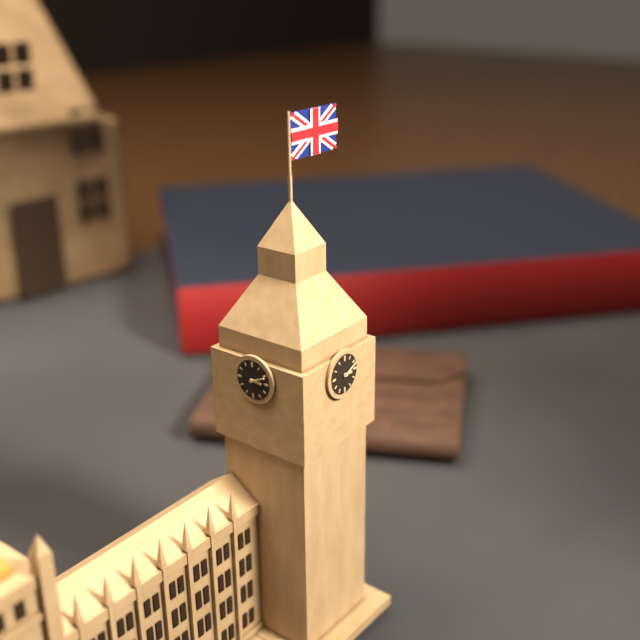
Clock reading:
**3:11**
